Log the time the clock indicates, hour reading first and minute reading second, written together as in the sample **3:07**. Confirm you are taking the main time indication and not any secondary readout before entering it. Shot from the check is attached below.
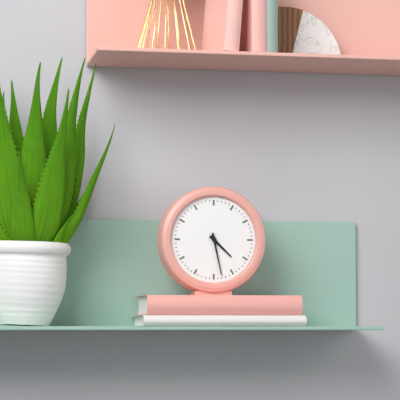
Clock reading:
**4:28**
